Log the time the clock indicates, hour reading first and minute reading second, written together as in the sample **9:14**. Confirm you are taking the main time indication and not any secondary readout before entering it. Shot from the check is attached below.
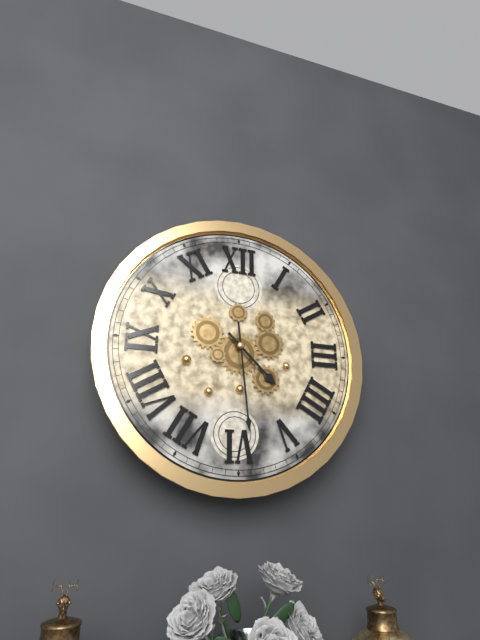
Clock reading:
**4:29**
